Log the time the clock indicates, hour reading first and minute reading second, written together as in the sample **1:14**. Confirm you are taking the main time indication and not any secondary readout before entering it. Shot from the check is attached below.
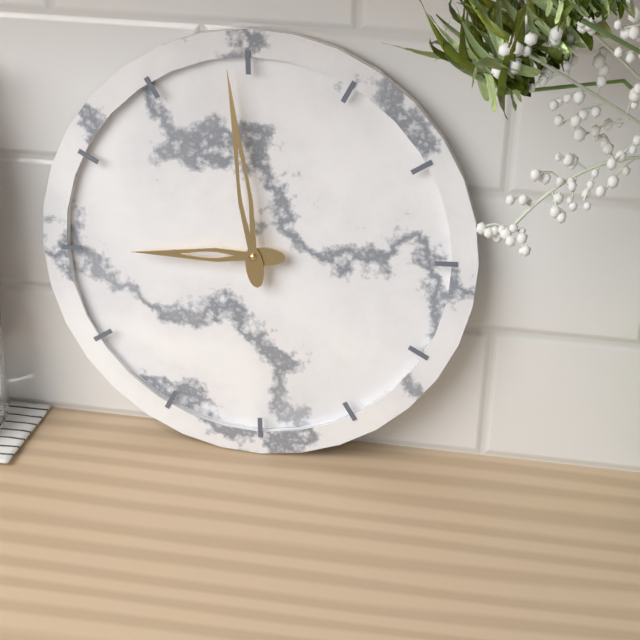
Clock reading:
**8:59**
